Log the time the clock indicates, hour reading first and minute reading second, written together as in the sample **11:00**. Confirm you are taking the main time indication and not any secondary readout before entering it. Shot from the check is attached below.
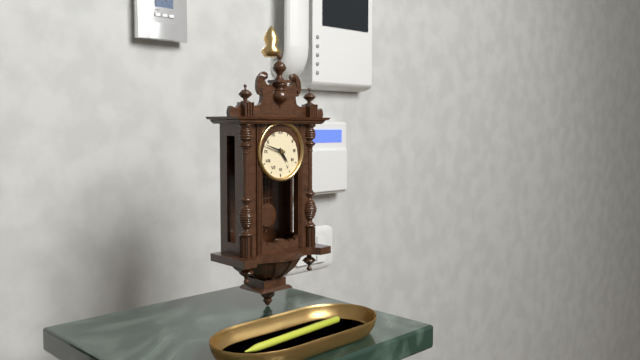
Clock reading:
**4:48**
